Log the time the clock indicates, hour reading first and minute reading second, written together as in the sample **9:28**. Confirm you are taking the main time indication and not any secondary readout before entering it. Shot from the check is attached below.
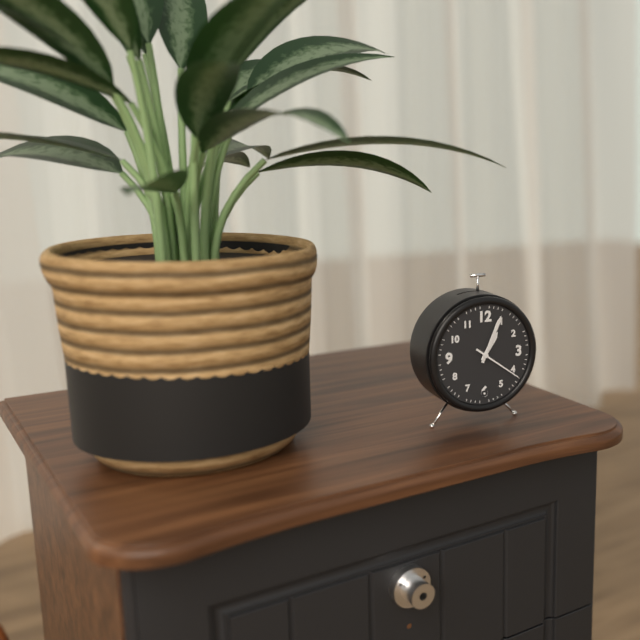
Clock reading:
**1:04**
